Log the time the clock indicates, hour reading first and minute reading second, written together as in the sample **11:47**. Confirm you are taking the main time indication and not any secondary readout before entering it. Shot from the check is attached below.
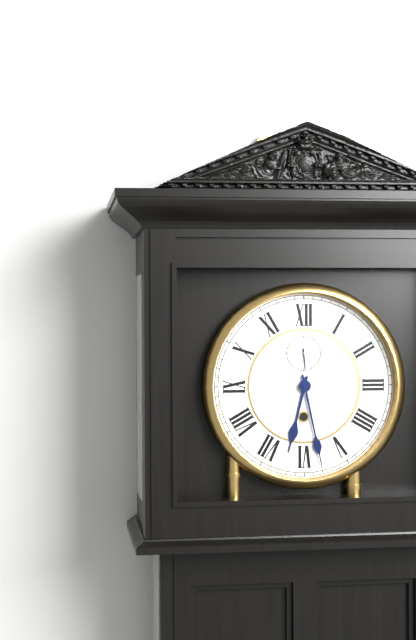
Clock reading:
**6:28**
